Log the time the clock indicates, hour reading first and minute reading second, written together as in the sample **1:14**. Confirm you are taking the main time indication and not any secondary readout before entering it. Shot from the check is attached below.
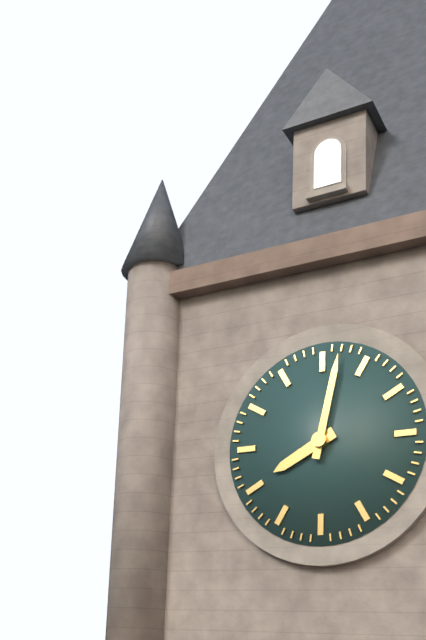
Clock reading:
**8:02**
